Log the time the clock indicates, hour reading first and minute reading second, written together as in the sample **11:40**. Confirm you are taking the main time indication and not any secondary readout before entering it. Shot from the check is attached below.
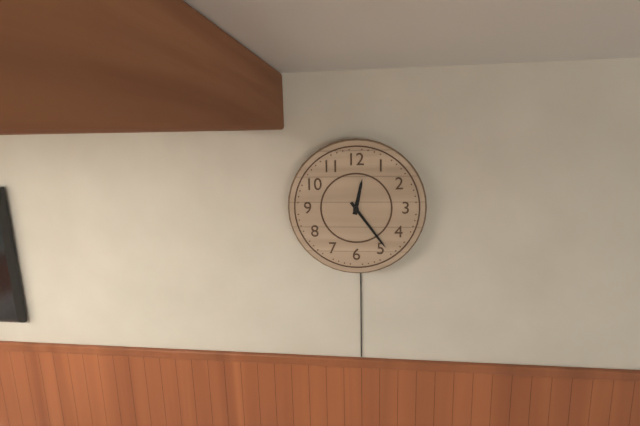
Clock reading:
**12:24**
